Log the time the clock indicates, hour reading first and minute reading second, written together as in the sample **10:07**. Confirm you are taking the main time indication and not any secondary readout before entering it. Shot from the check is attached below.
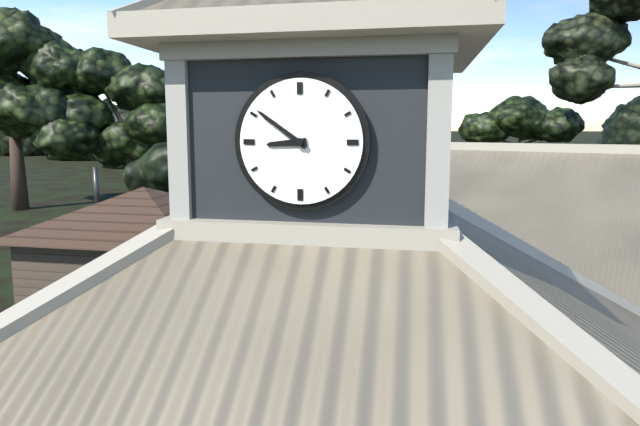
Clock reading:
**8:51**
